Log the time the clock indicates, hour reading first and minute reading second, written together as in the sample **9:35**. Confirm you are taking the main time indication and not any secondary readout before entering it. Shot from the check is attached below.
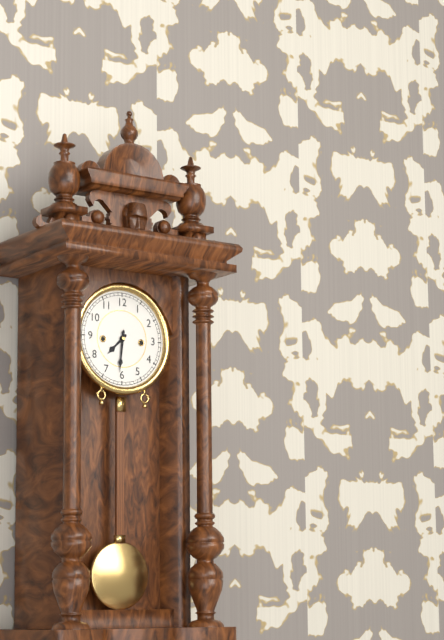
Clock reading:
**7:31**
